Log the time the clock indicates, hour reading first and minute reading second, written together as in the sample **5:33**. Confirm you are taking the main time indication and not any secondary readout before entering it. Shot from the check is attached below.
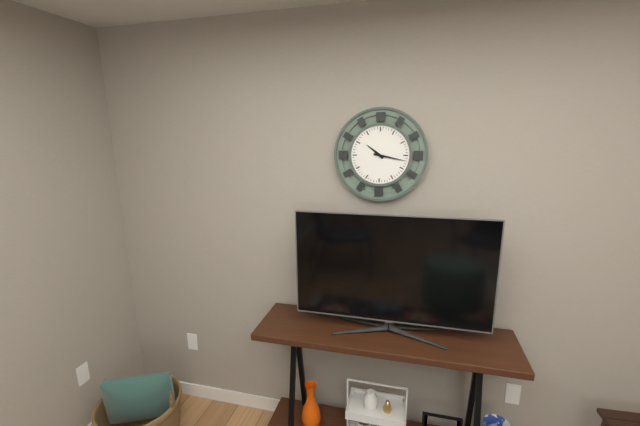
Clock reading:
**10:17**
